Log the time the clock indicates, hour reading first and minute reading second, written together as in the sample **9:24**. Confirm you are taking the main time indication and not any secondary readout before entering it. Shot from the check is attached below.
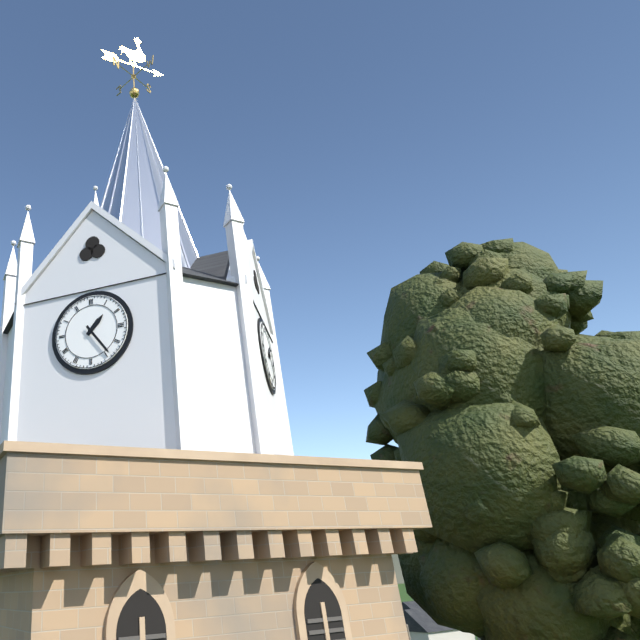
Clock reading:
**1:24**
